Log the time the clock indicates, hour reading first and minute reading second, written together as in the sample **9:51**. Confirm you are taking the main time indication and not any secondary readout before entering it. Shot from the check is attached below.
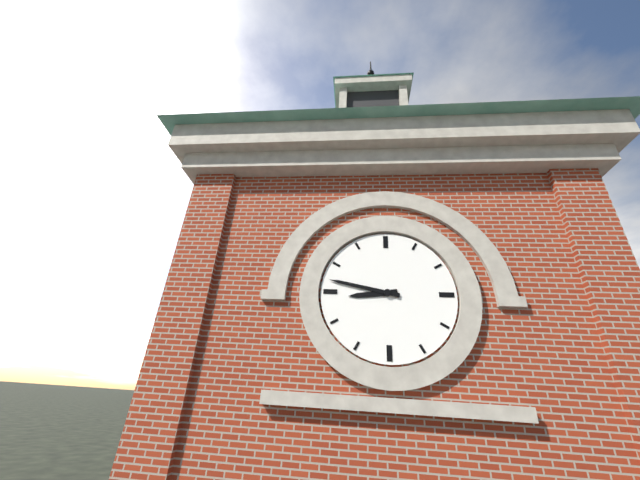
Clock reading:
**8:47**
